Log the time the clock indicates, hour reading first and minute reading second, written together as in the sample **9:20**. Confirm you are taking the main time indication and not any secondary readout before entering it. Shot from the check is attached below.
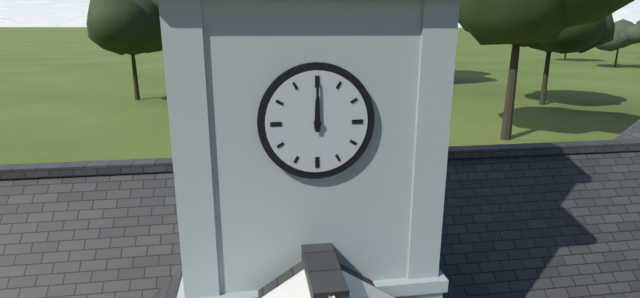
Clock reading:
**12:00**
